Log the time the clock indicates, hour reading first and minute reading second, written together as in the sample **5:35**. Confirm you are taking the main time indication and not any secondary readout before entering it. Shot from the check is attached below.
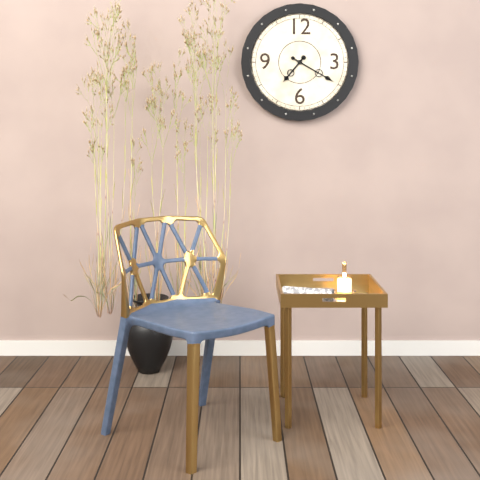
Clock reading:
**7:20**
